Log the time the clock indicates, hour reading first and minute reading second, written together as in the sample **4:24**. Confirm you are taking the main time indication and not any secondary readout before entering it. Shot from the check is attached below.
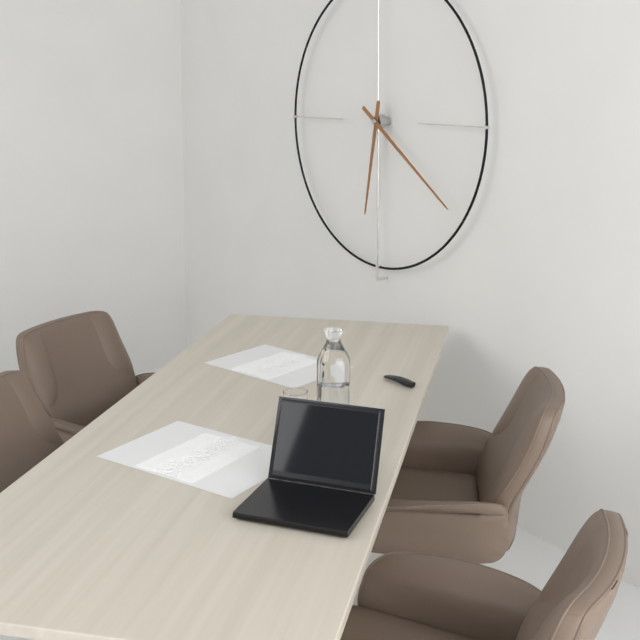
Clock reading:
**6:21**
